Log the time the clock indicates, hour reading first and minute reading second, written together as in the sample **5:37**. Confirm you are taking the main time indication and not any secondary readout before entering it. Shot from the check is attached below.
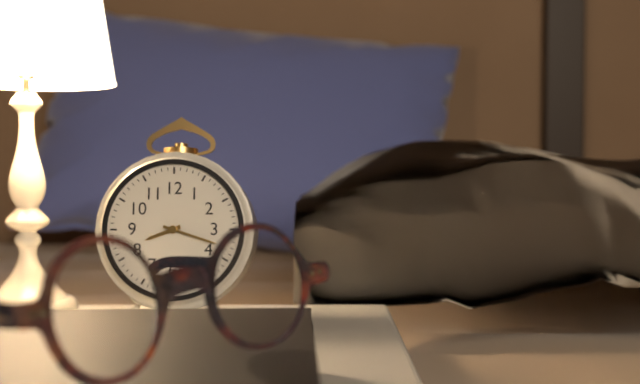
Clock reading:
**8:18**
